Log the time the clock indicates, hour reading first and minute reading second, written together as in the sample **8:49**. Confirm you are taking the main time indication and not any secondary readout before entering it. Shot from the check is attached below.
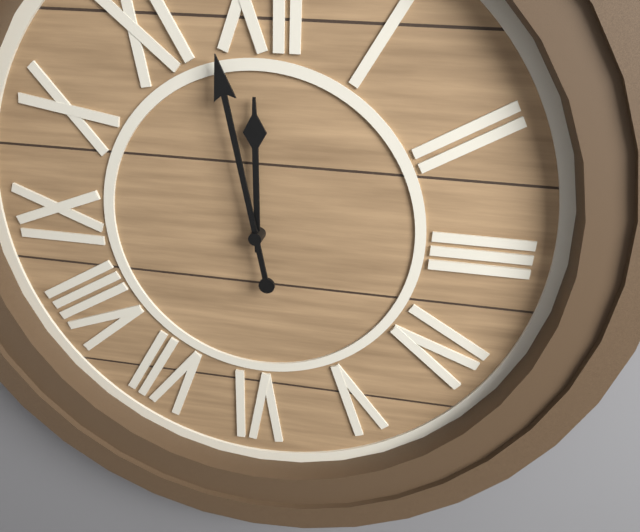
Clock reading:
**11:58**
